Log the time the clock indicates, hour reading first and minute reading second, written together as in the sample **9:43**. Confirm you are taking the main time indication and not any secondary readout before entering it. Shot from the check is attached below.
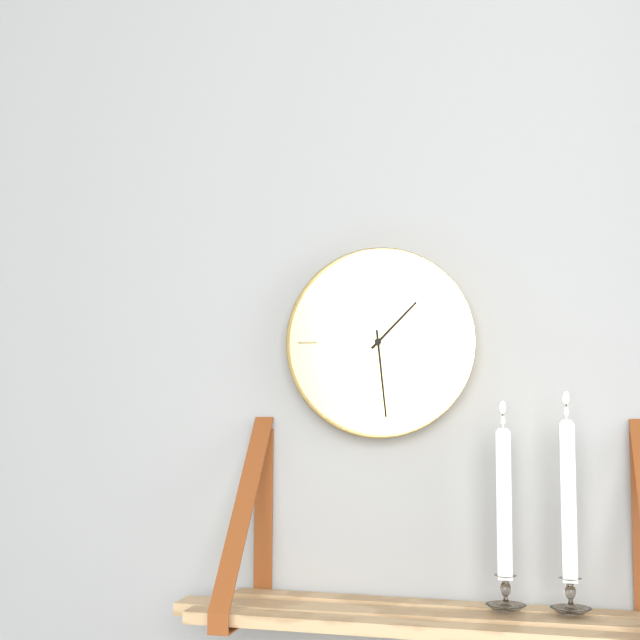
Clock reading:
**1:29**
